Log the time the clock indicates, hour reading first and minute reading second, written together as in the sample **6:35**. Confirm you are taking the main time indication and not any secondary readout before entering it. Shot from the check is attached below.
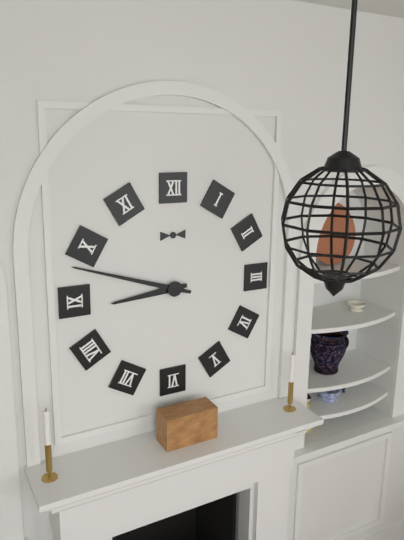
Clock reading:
**8:48**
